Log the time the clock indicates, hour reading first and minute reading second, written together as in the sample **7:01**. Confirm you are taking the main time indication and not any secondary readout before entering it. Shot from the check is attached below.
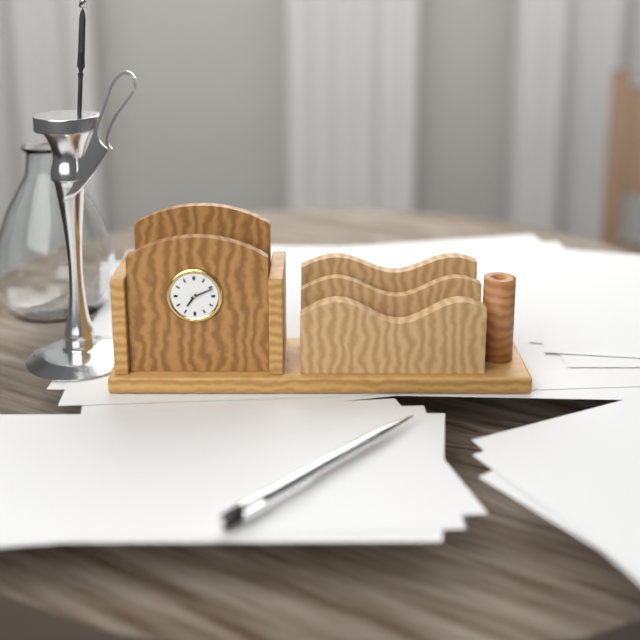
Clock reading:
**7:11**
